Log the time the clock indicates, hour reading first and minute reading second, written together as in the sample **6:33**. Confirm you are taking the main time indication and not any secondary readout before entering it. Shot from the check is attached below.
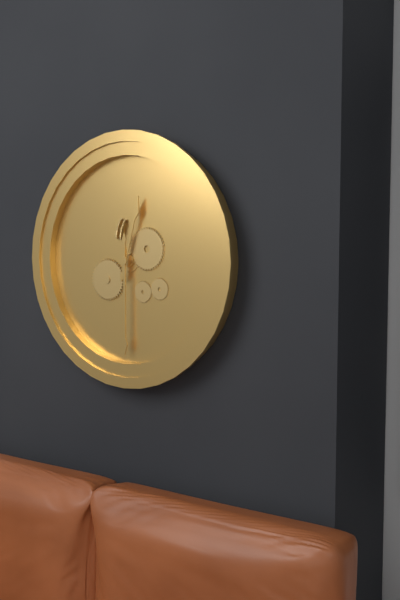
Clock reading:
**12:30**
